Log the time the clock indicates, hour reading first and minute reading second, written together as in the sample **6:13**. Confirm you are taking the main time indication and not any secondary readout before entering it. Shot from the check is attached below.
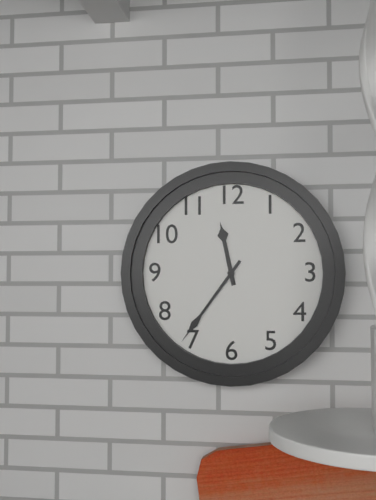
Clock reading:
**11:36**
